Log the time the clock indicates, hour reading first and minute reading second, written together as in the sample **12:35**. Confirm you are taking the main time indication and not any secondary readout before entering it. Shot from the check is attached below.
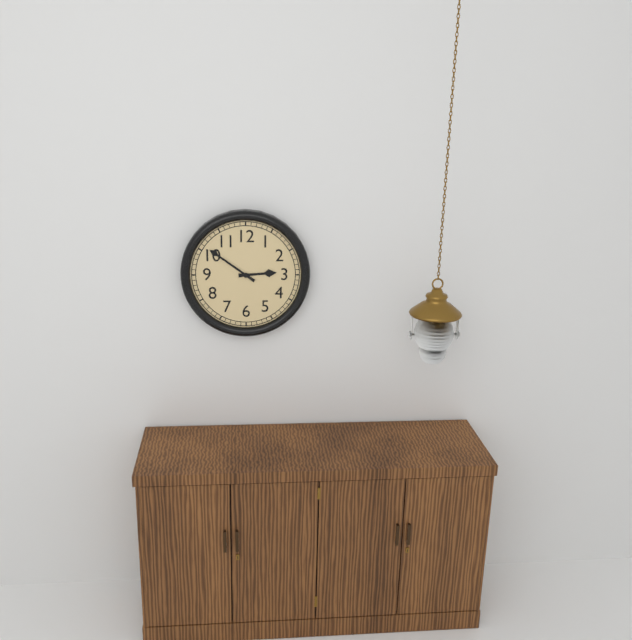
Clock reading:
**2:51**
